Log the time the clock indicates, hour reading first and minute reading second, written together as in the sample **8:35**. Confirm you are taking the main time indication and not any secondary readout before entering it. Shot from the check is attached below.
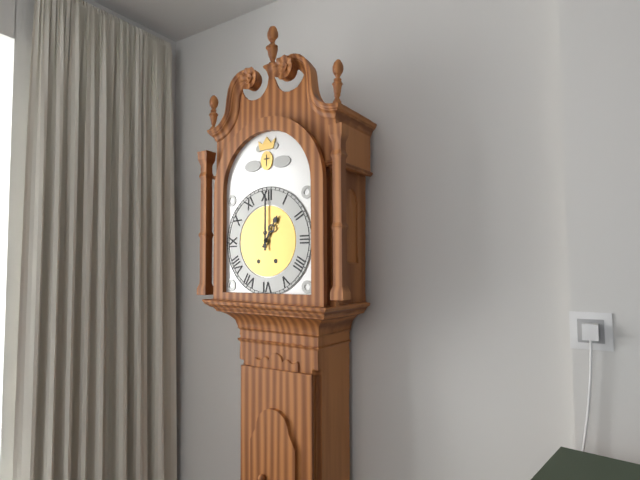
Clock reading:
**1:00**
